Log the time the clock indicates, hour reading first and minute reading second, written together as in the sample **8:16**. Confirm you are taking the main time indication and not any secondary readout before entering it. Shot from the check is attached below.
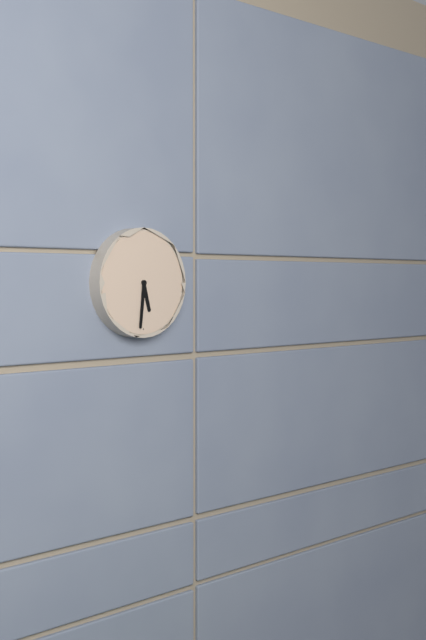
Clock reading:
**5:31**
